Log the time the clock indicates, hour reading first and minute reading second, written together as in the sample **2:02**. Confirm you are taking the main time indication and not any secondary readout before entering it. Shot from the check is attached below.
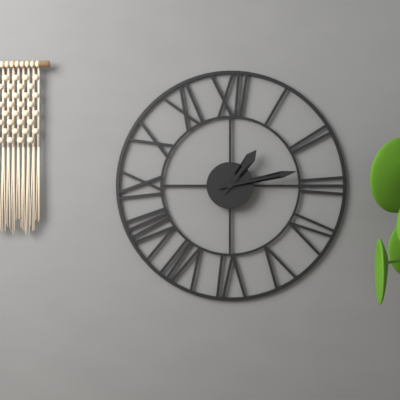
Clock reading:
**1:13**
